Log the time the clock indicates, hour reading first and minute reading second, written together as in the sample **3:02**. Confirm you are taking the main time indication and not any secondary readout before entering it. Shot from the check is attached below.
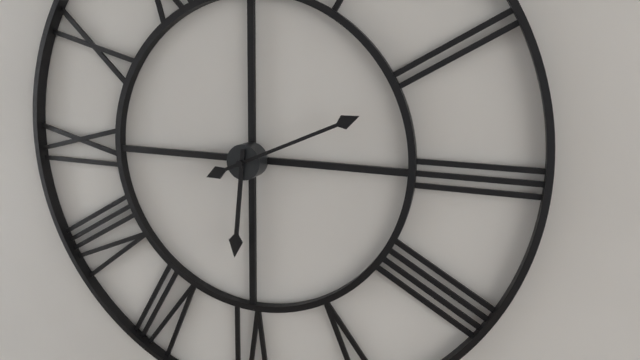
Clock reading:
**6:11**
